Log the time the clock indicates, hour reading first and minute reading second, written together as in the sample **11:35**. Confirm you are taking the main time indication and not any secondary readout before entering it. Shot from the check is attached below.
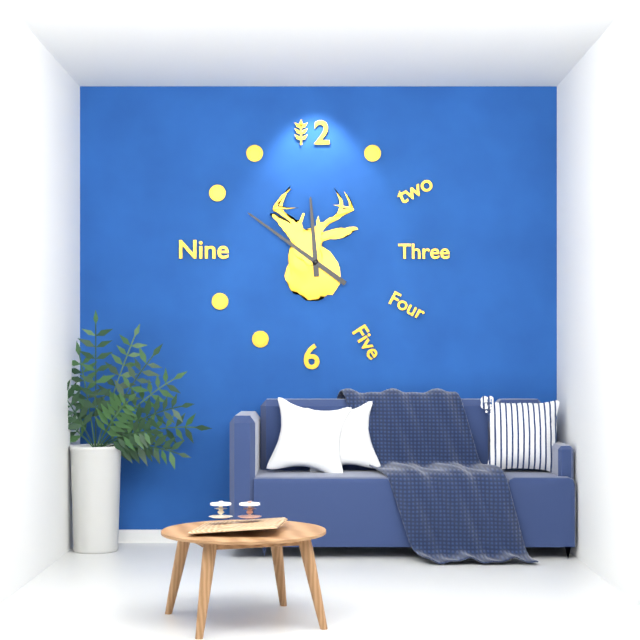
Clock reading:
**11:51**
